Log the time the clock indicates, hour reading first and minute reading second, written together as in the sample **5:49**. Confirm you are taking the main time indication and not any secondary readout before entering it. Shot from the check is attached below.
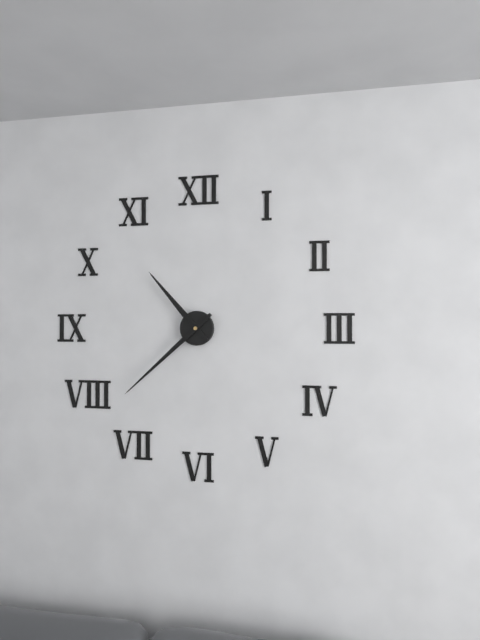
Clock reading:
**10:38**
